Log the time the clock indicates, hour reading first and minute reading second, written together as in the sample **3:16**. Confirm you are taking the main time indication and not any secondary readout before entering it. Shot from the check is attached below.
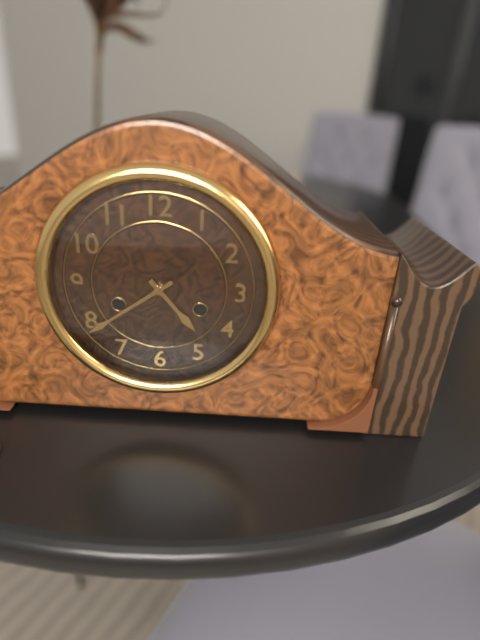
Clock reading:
**4:39**
